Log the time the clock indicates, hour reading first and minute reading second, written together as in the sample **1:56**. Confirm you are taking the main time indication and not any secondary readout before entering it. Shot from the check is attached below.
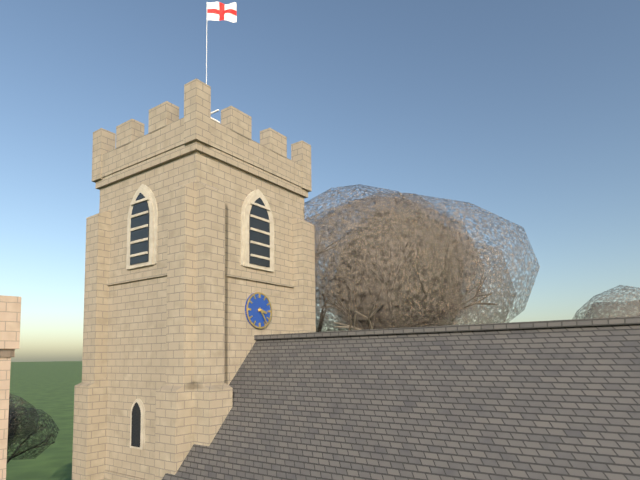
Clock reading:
**3:24**
